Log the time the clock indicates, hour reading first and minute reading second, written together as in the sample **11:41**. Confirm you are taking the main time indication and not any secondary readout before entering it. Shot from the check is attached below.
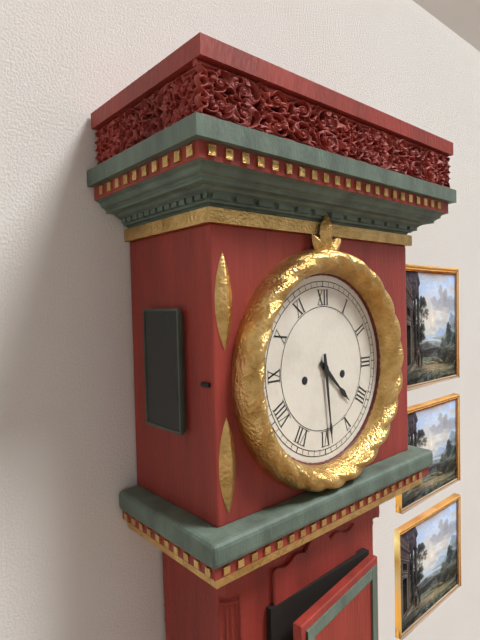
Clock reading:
**4:29**
